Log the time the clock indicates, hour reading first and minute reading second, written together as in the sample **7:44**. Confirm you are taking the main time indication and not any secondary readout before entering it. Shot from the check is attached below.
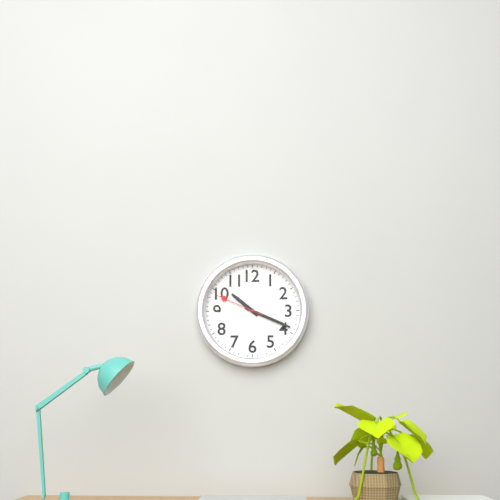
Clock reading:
**10:19**
